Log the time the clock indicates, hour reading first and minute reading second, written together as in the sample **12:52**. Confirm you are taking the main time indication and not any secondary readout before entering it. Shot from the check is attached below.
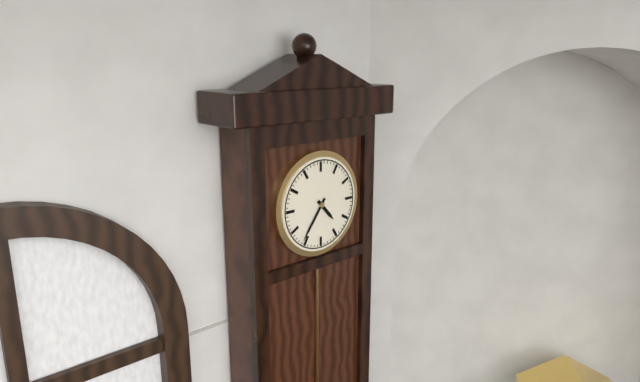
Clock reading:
**4:36**
